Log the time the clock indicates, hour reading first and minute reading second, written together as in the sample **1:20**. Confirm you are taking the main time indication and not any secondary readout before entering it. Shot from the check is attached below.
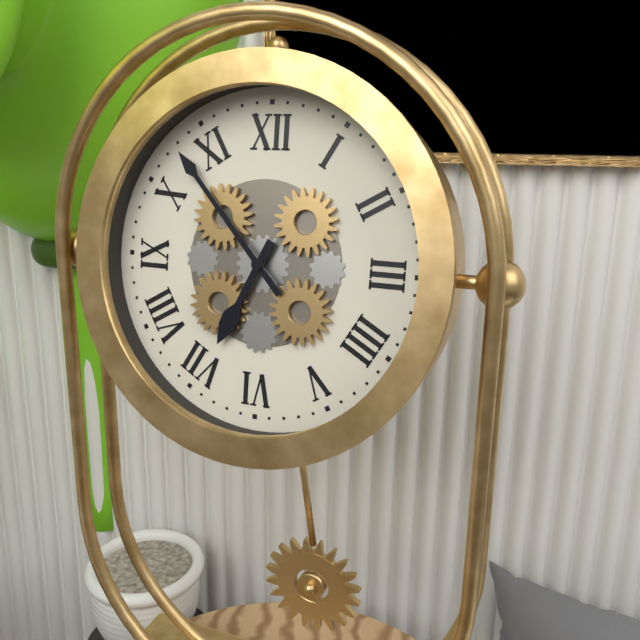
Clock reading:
**6:53**
